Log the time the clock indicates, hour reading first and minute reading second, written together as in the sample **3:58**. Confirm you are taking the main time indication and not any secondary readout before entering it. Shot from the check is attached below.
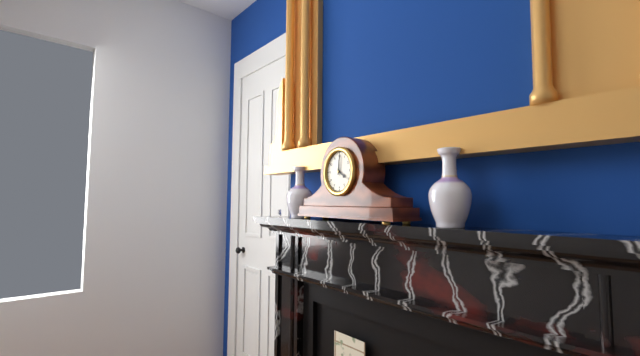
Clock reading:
**4:01**
